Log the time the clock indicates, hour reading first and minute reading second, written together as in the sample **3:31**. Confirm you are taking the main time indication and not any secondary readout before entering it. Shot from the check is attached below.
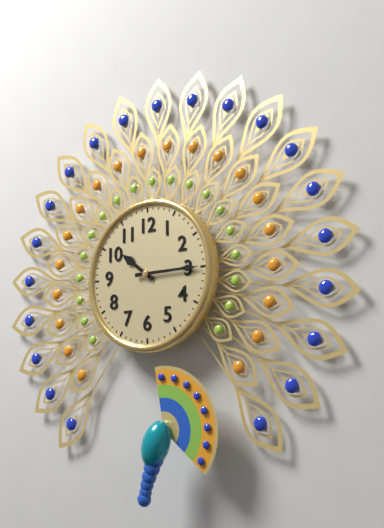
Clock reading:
**10:15**
